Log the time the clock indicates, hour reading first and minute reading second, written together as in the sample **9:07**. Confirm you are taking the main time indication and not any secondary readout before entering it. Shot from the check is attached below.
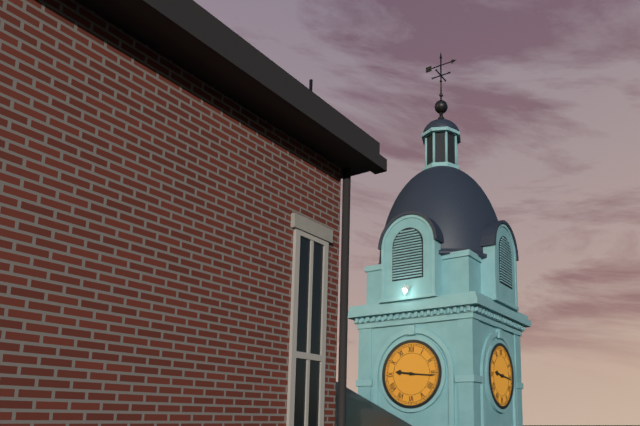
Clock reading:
**9:16**
